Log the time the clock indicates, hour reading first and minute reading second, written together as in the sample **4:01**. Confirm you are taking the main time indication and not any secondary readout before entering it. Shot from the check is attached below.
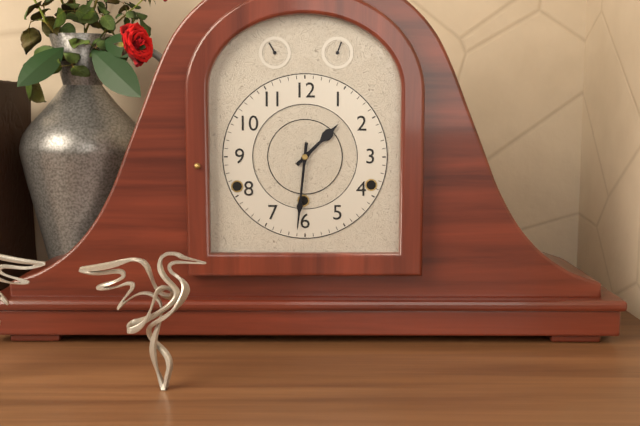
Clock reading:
**1:31**
